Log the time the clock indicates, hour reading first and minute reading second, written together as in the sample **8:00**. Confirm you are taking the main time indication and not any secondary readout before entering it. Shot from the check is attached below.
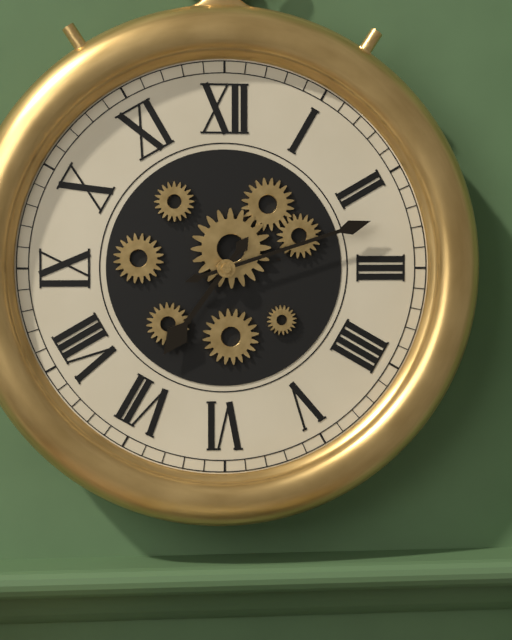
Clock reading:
**7:12**
